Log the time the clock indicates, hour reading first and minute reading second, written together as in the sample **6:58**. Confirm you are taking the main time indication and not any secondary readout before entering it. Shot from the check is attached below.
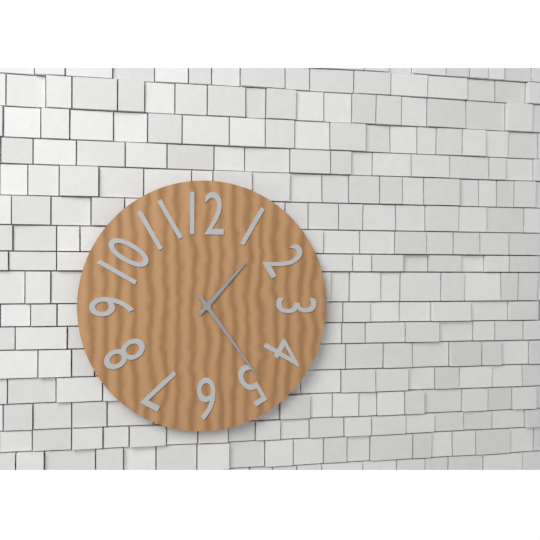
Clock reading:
**1:24**
